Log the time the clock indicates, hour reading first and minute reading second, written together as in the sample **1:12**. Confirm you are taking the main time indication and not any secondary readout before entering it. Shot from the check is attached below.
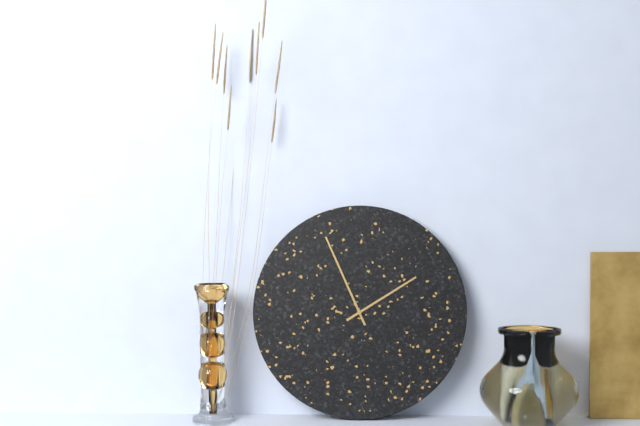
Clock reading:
**1:56**
